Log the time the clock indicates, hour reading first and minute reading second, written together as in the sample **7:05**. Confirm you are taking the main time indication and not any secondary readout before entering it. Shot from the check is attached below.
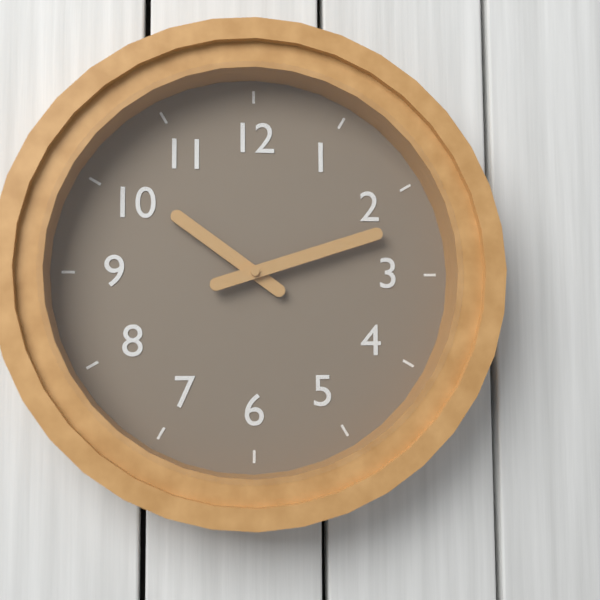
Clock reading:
**10:12**
